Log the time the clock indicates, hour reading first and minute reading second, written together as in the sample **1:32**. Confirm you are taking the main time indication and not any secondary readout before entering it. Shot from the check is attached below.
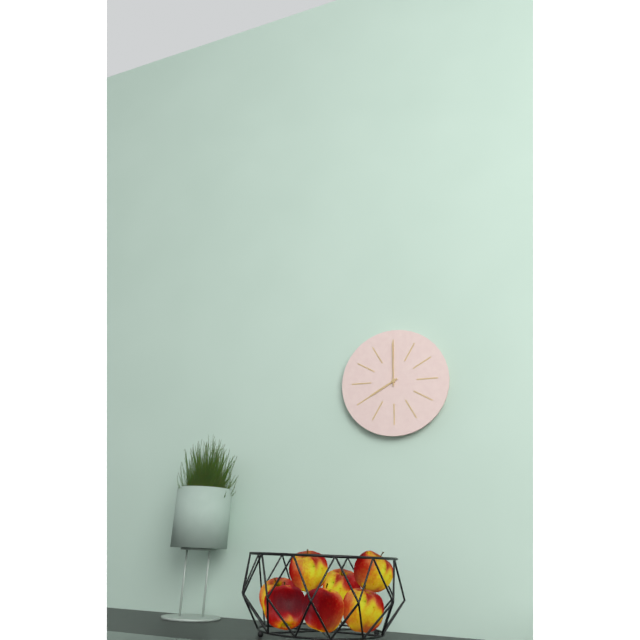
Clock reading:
**8:00**
